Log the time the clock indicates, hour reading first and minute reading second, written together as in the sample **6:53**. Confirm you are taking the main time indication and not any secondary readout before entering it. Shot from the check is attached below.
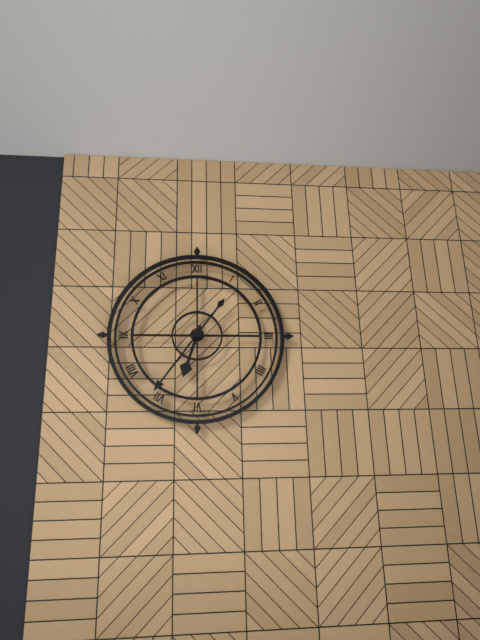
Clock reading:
**6:36**
